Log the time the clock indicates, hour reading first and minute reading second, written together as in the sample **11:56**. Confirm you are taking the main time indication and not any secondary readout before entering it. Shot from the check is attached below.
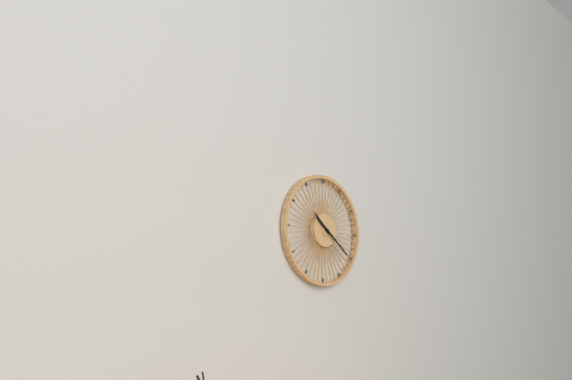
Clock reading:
**10:21**
